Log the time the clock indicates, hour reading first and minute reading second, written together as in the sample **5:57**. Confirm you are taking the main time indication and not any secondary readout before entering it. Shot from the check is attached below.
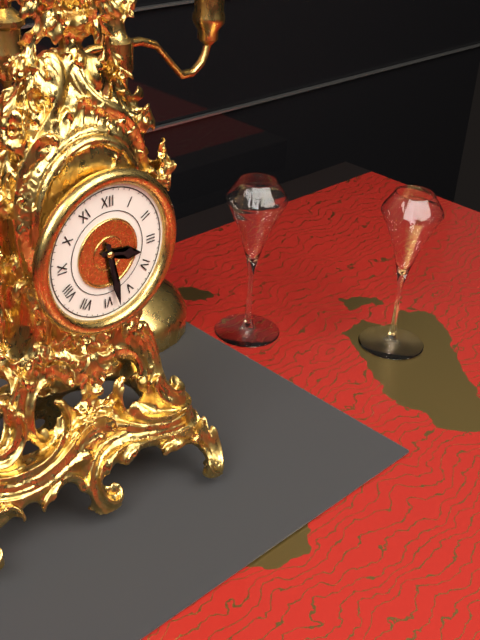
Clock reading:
**3:28**
